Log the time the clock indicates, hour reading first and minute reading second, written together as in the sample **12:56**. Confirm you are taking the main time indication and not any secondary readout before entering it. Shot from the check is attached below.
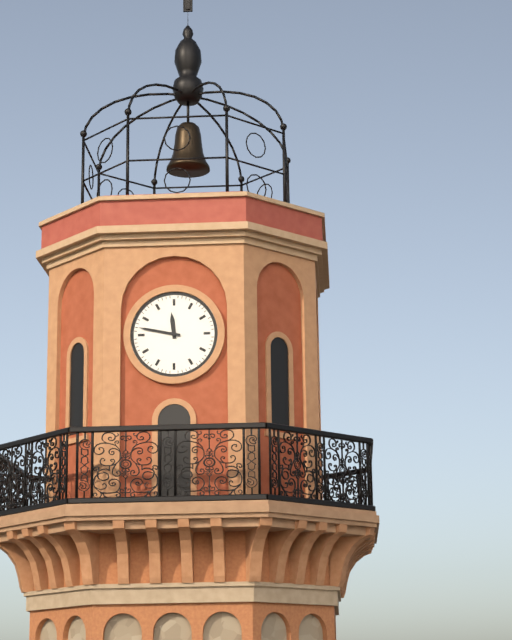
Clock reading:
**11:47**
